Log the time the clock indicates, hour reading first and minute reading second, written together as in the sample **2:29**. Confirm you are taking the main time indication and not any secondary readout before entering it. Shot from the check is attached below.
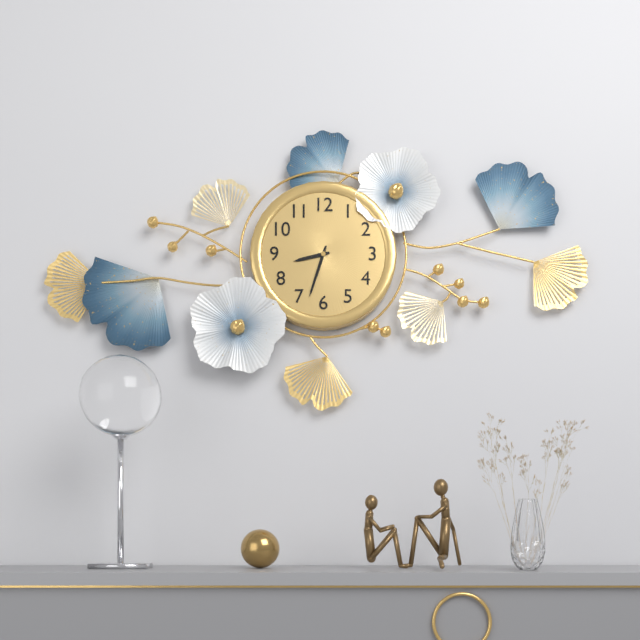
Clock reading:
**8:33**
